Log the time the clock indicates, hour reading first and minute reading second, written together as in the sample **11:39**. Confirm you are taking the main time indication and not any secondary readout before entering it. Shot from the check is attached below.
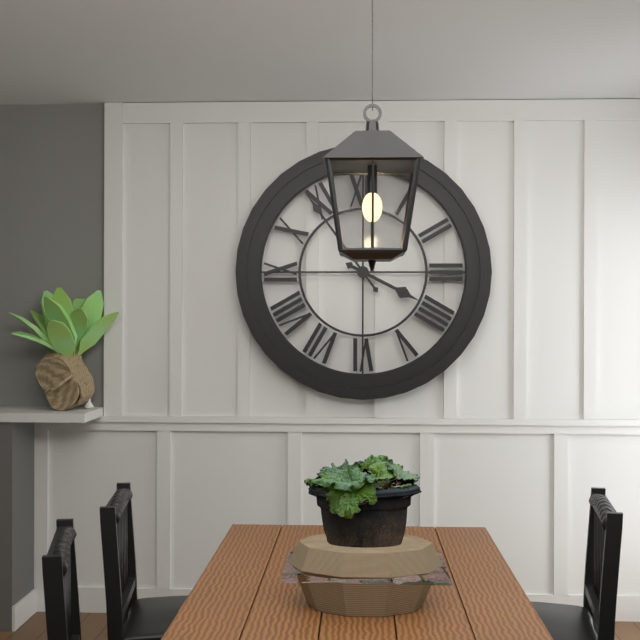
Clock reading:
**3:54**
